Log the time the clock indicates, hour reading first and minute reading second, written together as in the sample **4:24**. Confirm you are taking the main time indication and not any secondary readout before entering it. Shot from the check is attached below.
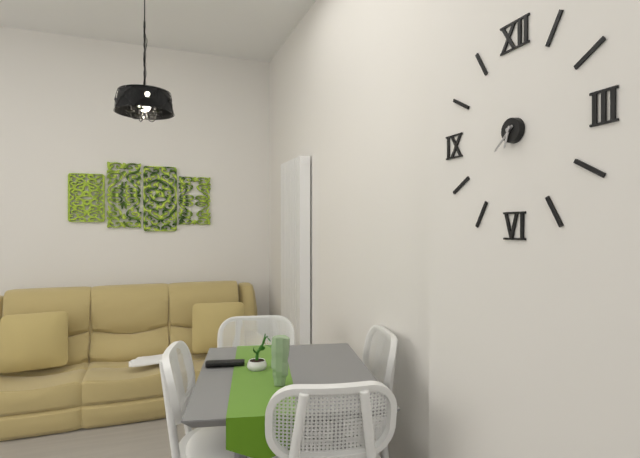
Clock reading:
**6:38**
